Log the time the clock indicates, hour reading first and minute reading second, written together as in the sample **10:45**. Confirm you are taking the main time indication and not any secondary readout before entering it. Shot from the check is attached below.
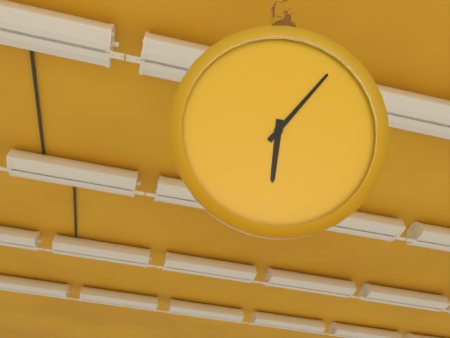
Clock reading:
**6:06**
